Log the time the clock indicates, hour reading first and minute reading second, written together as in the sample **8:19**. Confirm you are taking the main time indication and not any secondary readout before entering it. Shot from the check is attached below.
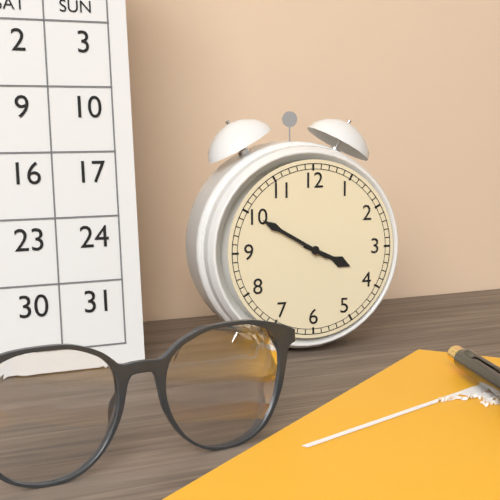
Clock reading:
**3:50**
